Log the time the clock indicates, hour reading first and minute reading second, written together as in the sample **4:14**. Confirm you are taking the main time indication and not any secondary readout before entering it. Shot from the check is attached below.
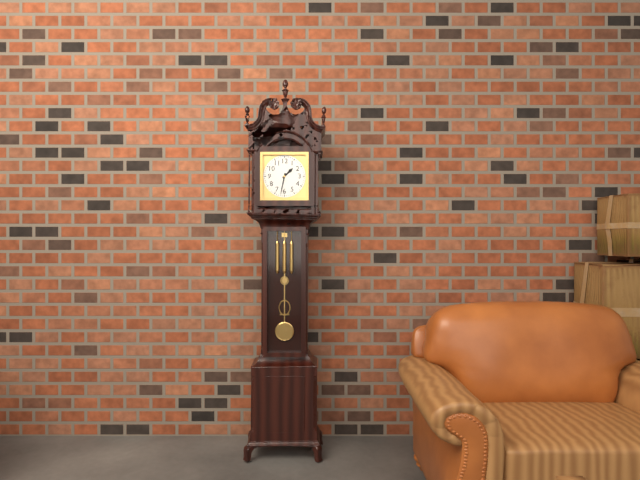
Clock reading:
**1:32**
